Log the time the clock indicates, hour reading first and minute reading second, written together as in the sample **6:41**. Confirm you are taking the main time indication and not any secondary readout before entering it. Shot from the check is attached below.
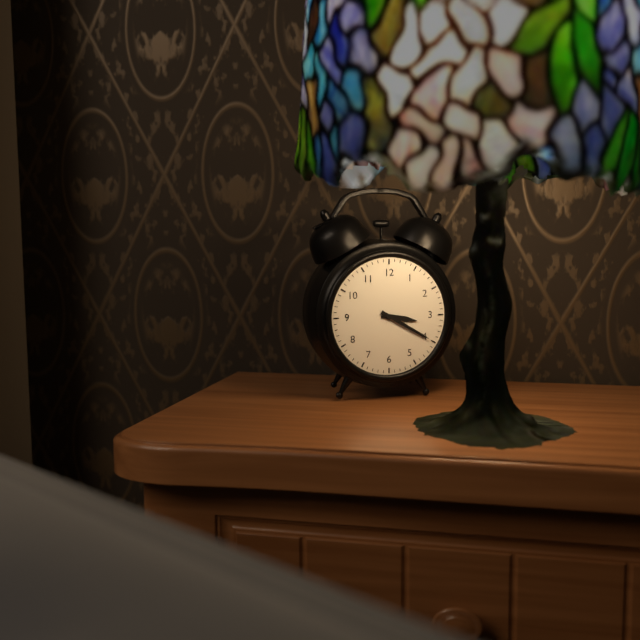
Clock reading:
**3:20**
